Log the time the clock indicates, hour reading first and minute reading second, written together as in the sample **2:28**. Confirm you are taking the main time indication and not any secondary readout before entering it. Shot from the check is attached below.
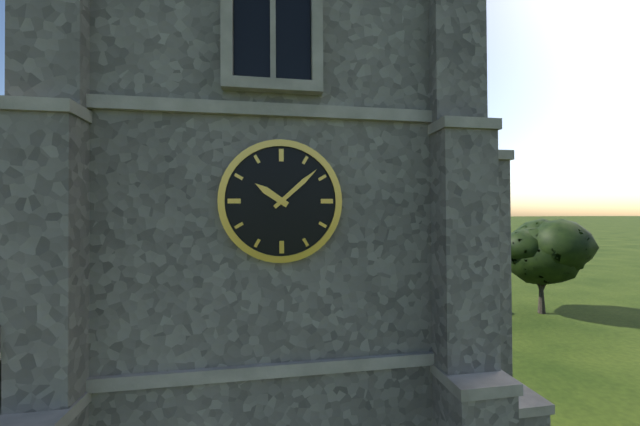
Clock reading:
**10:08**
